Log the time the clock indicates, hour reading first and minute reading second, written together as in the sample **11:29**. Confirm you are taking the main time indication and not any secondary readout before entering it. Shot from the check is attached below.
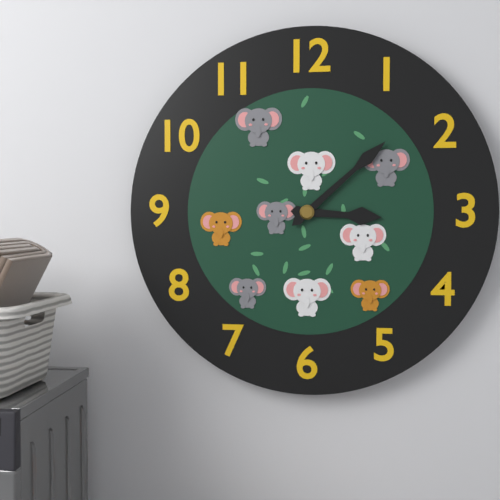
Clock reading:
**3:08**
